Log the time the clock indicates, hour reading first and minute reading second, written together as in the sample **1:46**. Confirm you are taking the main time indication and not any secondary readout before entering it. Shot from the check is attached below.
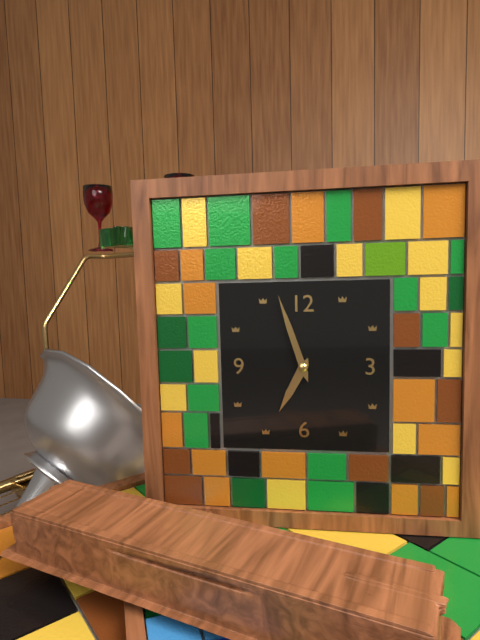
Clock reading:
**6:57**
